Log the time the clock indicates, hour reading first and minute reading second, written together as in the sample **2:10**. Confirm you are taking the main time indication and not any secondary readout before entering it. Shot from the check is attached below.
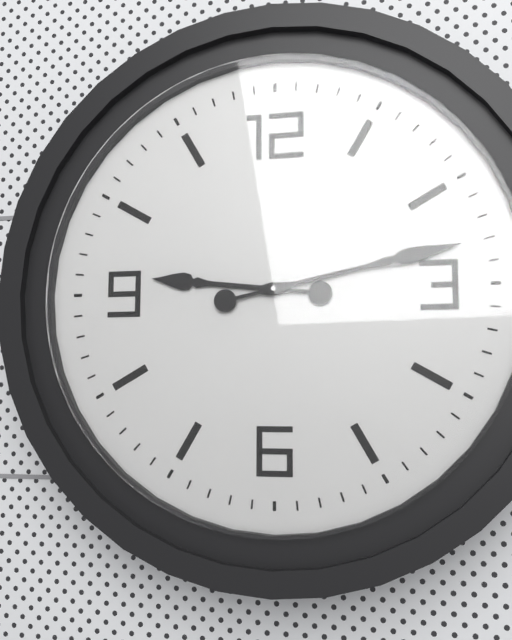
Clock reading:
**9:13**
